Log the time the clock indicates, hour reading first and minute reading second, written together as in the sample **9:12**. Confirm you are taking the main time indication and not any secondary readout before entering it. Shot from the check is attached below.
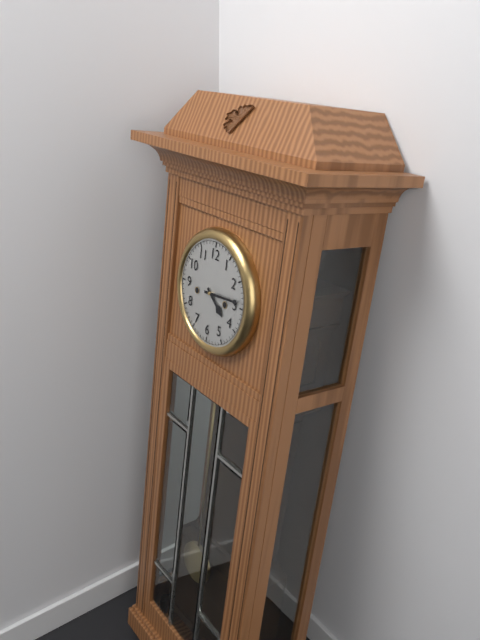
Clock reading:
**4:14**
